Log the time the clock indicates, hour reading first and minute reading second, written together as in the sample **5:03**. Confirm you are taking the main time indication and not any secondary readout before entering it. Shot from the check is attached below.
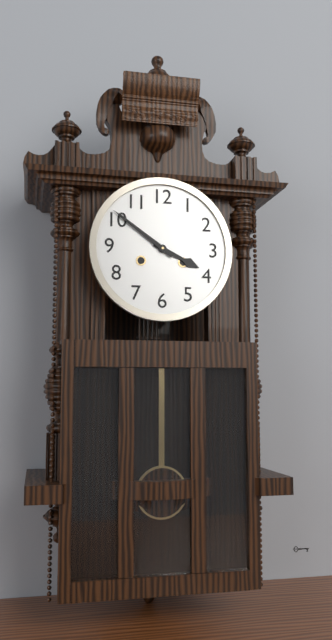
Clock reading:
**3:51**
